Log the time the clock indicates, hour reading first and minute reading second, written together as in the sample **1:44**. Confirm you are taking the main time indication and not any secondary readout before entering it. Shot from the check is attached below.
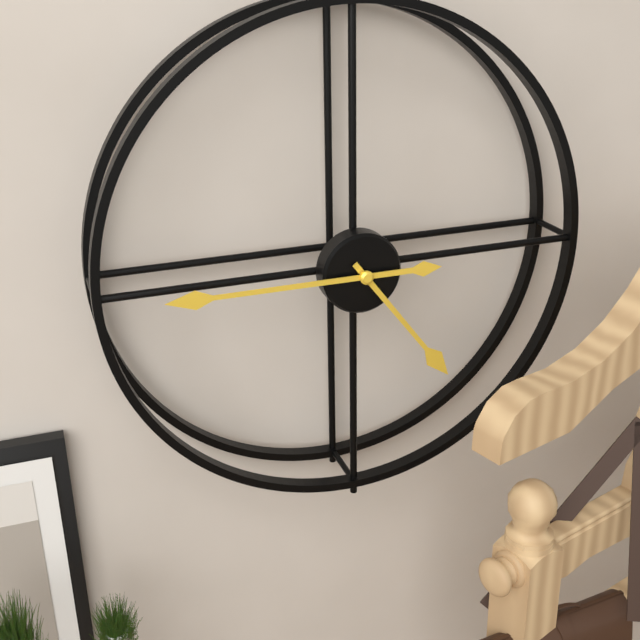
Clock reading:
**4:45**
